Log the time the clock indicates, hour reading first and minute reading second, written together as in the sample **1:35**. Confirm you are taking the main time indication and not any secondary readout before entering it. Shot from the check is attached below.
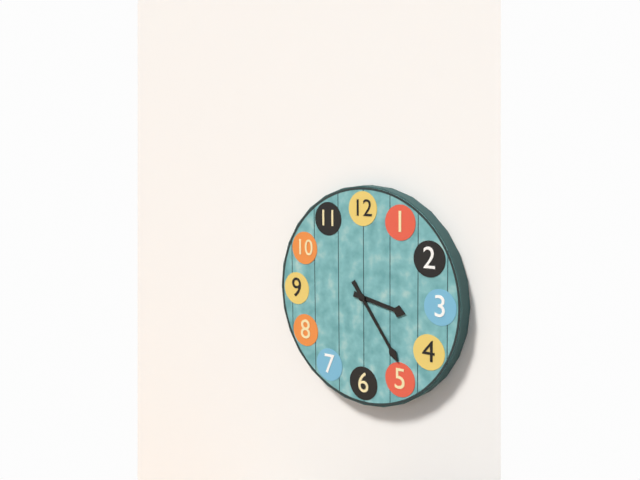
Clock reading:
**3:24**
